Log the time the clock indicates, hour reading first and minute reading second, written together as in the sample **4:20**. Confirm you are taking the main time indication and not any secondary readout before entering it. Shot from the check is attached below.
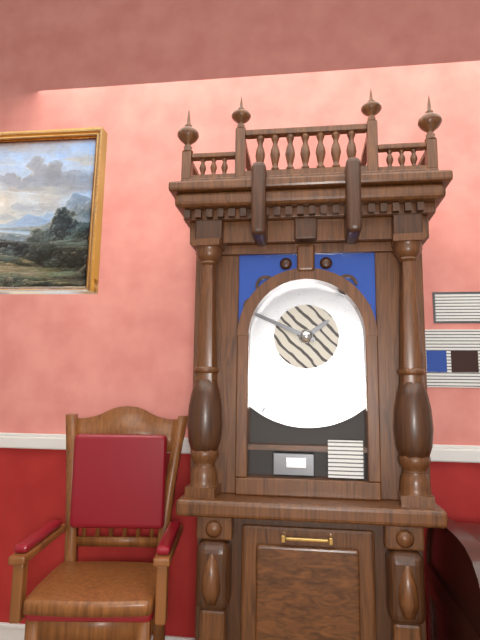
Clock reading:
**1:49**
